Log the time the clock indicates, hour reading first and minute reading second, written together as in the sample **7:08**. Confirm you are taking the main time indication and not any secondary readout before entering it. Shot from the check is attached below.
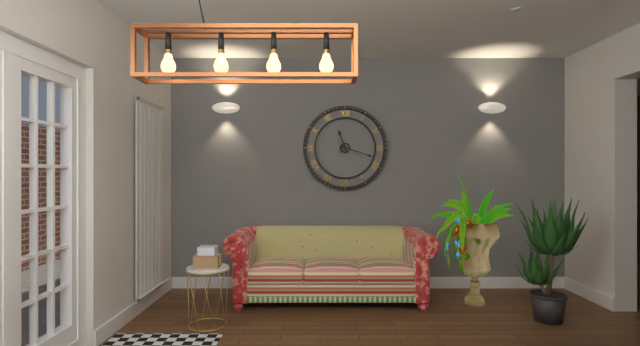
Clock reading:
**11:18**
